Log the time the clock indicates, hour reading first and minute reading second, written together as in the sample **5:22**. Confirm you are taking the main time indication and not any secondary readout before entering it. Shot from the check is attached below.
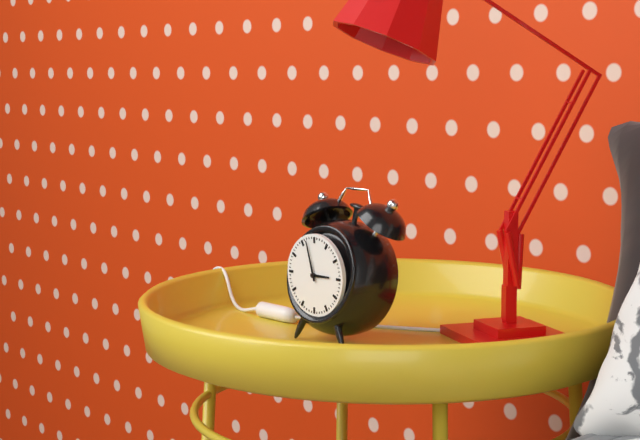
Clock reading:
**2:57**
